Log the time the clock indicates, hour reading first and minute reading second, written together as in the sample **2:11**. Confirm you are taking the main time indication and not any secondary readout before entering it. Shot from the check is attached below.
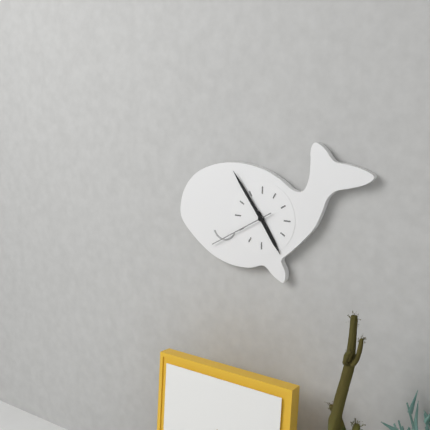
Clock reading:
**4:54**
